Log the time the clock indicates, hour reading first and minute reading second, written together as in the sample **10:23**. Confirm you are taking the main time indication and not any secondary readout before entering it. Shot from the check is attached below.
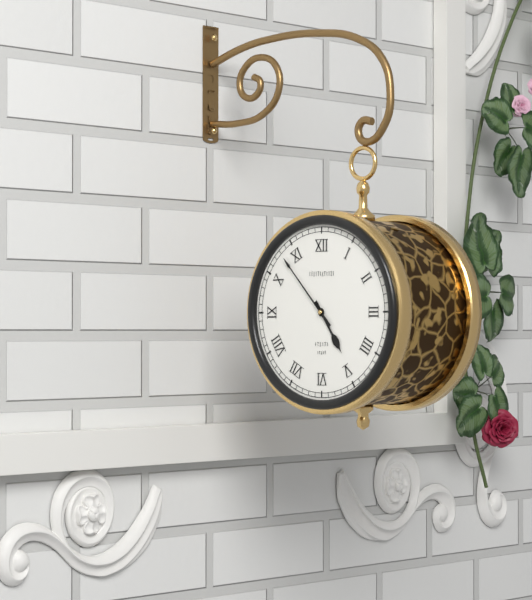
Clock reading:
**4:53**
